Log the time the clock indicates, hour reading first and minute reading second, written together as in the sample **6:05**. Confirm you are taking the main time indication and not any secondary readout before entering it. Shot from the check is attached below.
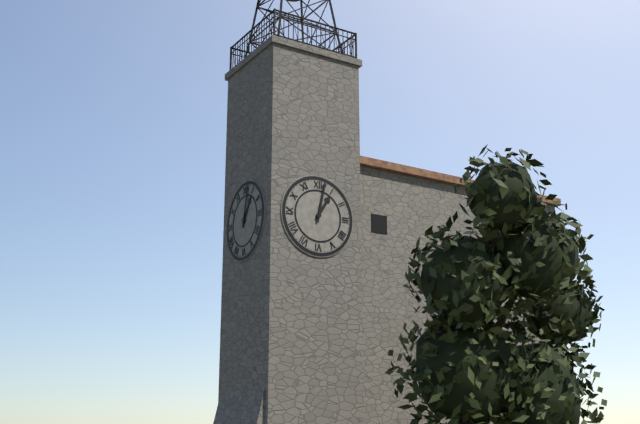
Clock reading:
**1:02**
